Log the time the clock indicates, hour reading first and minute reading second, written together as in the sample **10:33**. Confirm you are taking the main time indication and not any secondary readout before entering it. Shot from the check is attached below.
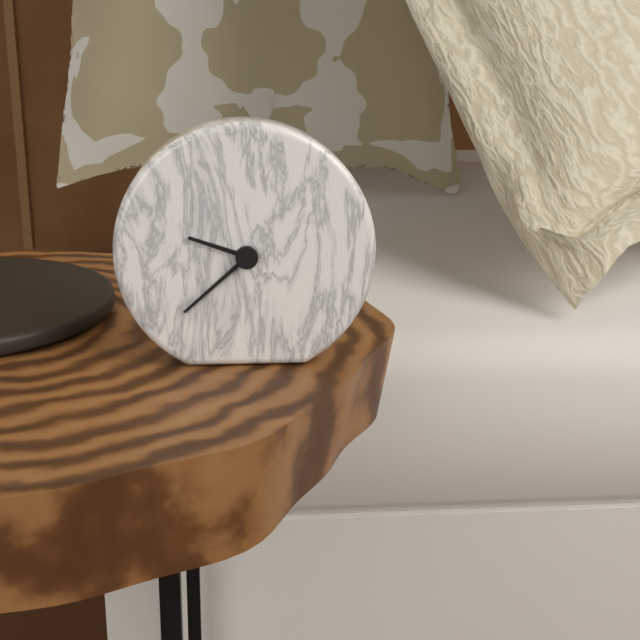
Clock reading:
**9:38**
